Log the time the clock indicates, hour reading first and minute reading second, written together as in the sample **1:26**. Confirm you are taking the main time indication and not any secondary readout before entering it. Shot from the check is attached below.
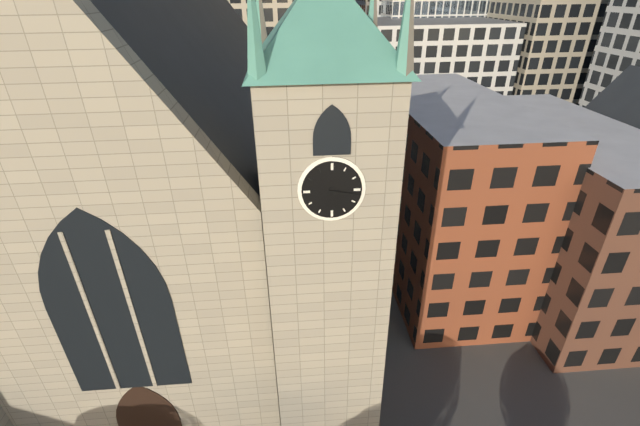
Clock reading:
**5:17**
